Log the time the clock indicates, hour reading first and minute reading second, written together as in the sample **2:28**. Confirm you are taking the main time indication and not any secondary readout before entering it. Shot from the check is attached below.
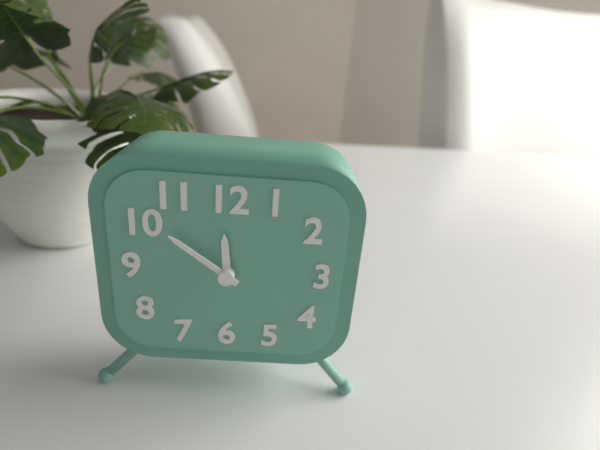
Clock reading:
**11:51**
